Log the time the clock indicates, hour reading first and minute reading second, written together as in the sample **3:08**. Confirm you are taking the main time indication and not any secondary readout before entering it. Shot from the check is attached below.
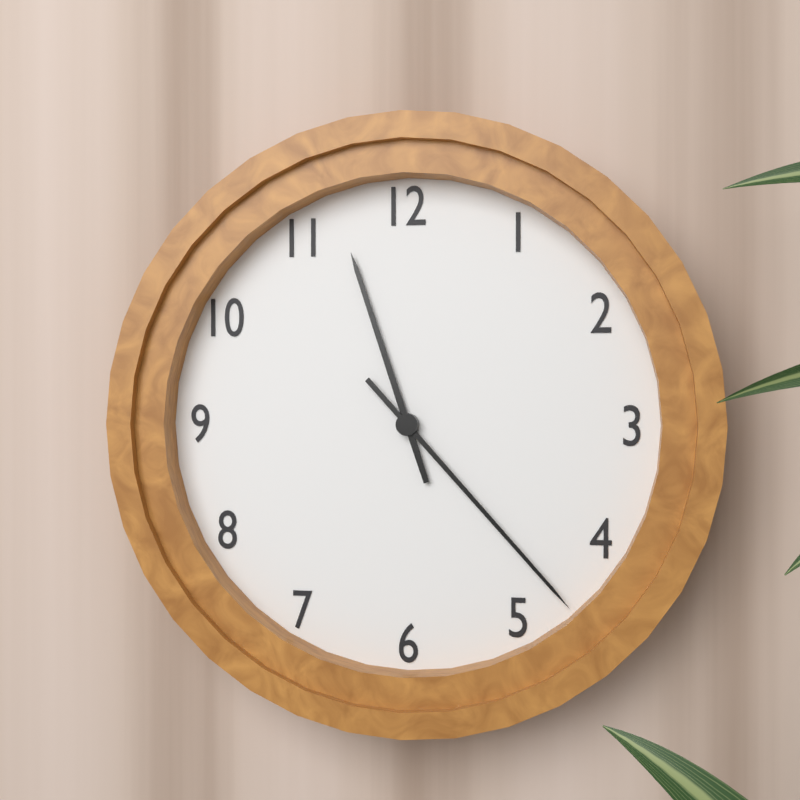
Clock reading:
**11:23**
